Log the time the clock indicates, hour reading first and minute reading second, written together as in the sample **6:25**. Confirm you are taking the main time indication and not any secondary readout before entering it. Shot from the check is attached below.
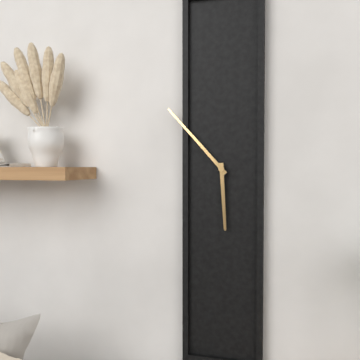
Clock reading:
**5:53**
